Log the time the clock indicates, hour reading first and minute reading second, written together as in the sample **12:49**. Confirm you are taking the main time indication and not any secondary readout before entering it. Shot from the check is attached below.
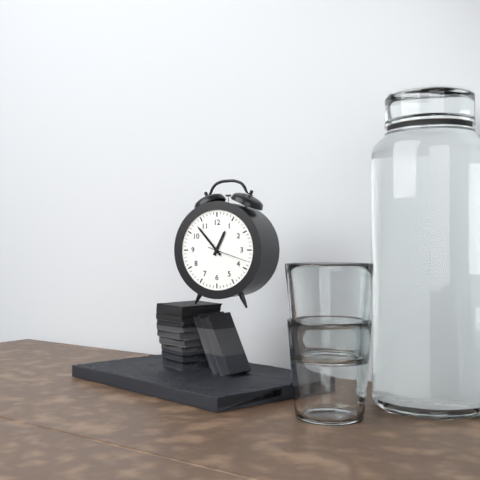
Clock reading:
**12:53**
